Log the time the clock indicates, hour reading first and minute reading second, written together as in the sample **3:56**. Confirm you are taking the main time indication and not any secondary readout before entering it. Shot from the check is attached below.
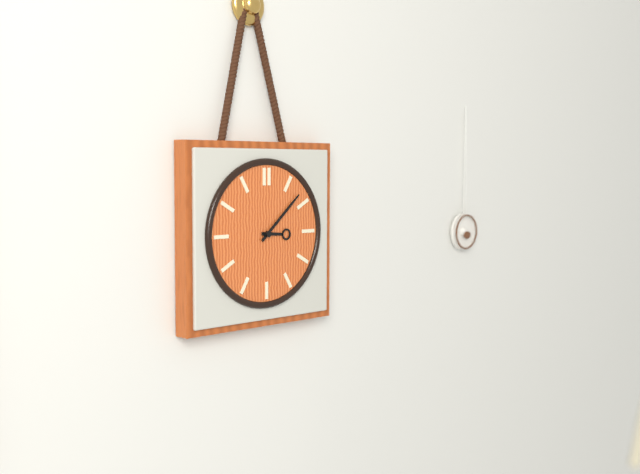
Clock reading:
**3:08**
